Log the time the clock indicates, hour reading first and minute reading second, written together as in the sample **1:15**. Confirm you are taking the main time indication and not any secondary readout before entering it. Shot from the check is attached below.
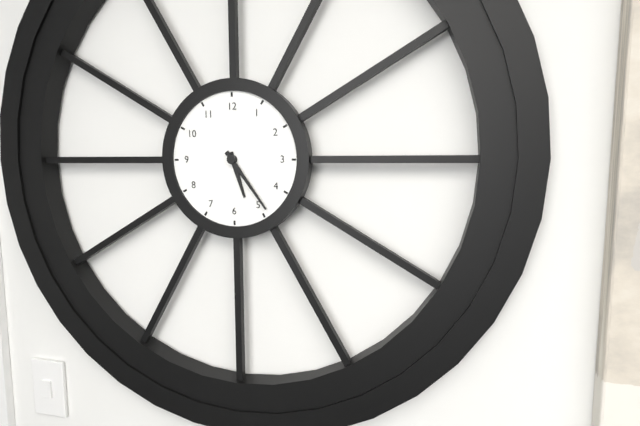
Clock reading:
**5:24**
